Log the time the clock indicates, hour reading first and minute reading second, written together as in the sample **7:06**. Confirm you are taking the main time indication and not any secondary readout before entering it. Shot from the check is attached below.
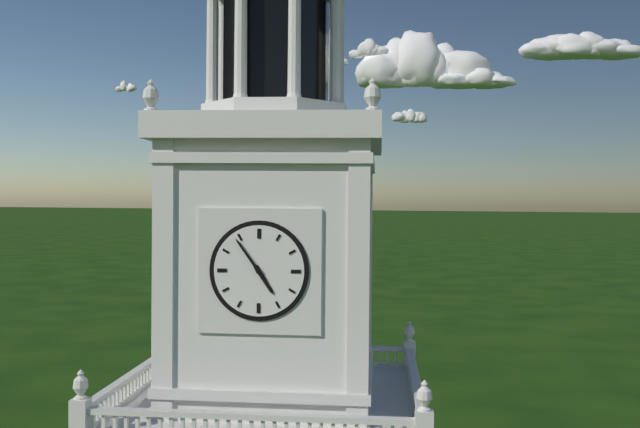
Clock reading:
**4:54**
